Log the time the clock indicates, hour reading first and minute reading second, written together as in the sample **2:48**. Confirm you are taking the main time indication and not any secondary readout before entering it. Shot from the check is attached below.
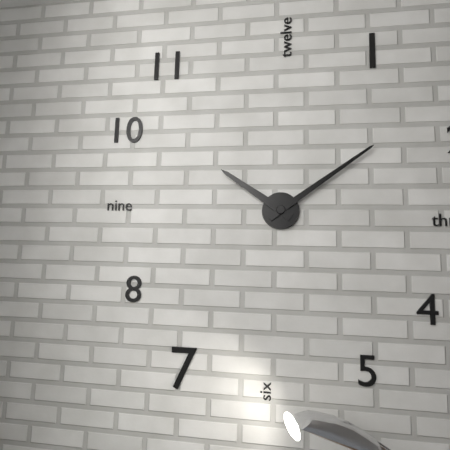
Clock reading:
**10:09**
